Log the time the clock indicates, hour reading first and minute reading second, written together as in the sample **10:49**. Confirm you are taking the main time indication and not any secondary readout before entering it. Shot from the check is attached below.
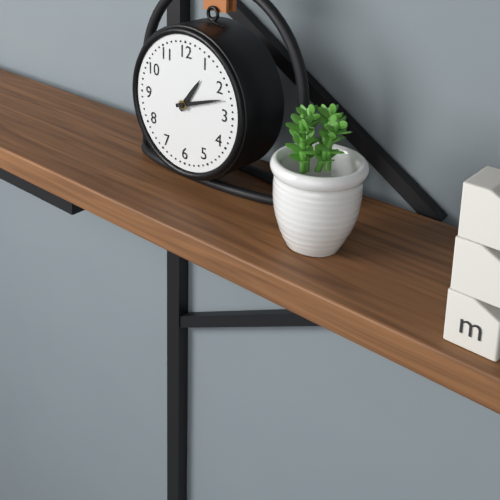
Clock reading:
**1:12**
